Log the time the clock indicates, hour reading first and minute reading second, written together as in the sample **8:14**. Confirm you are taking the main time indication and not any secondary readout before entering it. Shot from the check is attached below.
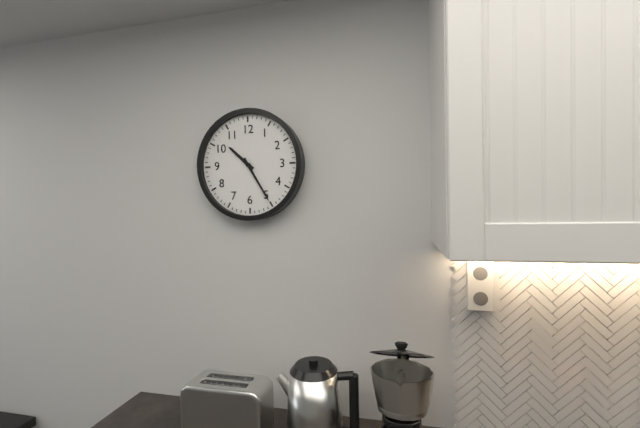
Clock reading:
**10:25**
